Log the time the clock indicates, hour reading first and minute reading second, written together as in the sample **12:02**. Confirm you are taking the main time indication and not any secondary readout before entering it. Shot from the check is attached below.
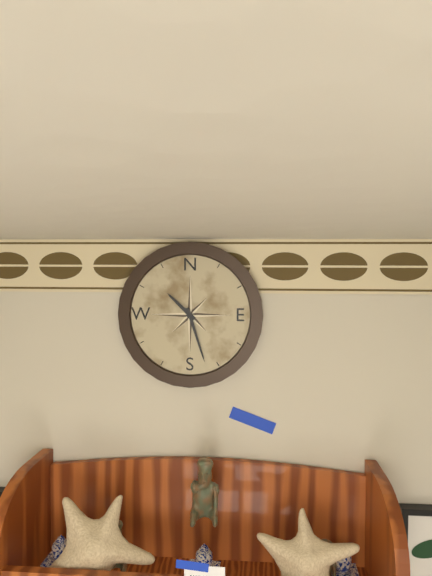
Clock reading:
**10:27**
